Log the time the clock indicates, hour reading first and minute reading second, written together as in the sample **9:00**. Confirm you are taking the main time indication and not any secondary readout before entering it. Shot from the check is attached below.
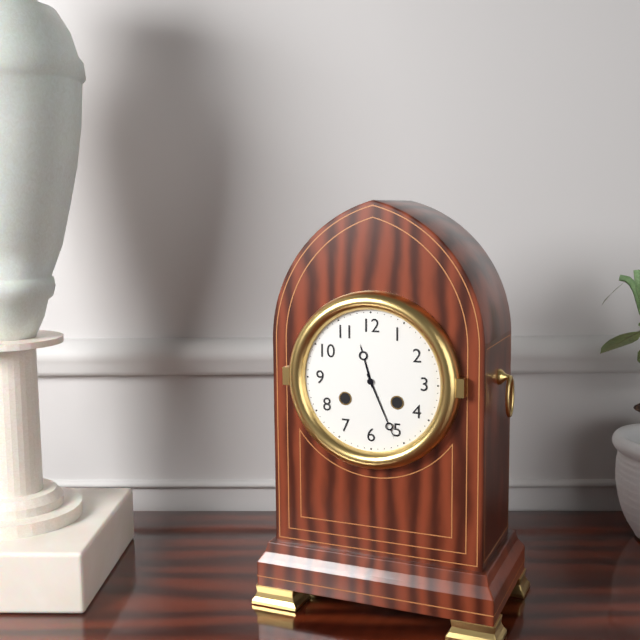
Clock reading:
**11:26**
